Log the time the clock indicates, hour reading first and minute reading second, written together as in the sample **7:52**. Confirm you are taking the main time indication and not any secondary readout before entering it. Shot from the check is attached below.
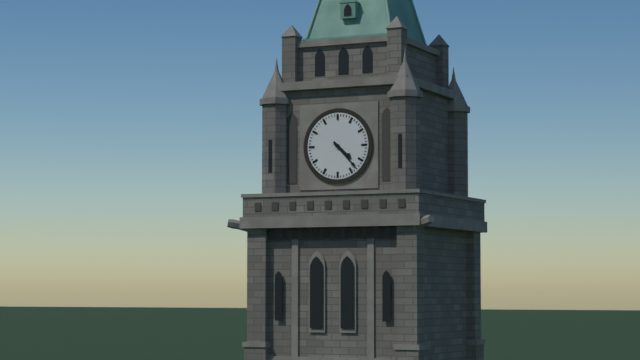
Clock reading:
**4:23**
